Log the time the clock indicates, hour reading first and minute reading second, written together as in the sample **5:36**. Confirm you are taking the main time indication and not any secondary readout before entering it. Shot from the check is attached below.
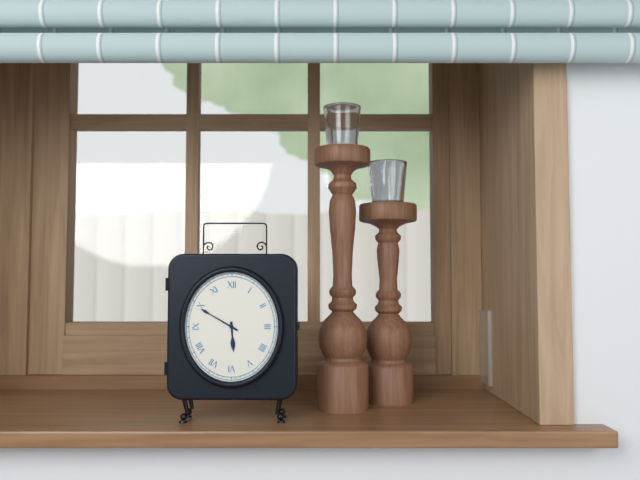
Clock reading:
**5:50**
